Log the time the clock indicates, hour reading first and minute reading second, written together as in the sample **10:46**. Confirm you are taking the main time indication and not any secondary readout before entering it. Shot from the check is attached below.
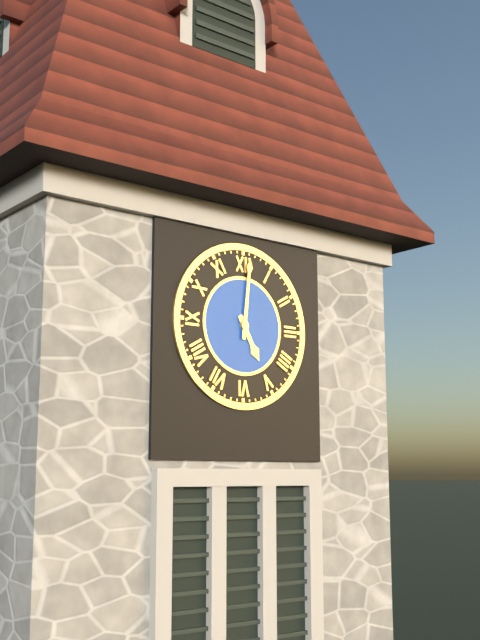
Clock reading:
**5:01**
